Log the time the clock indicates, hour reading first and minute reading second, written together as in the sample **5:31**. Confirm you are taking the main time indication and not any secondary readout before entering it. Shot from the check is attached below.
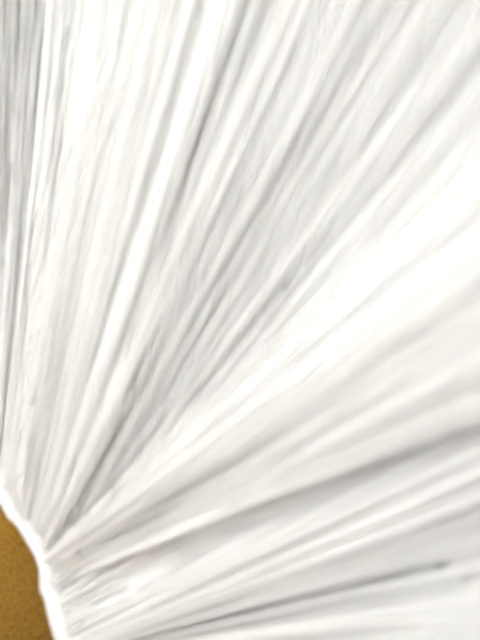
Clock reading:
**8:52**
